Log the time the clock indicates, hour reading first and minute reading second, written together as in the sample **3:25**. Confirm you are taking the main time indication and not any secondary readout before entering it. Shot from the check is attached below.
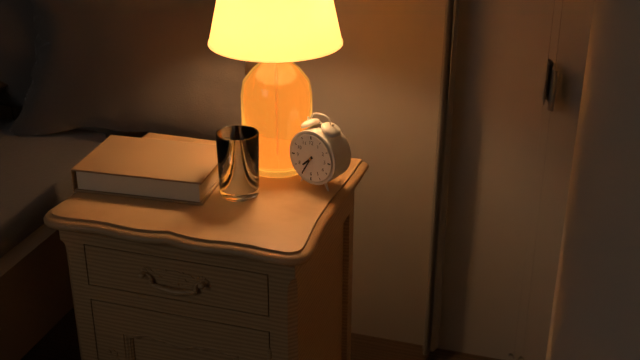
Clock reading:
**7:35**
